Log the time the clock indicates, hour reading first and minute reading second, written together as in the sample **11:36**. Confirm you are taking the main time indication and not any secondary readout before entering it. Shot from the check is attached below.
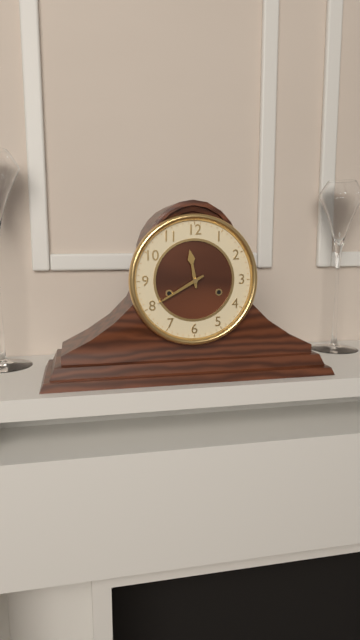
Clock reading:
**11:40**
